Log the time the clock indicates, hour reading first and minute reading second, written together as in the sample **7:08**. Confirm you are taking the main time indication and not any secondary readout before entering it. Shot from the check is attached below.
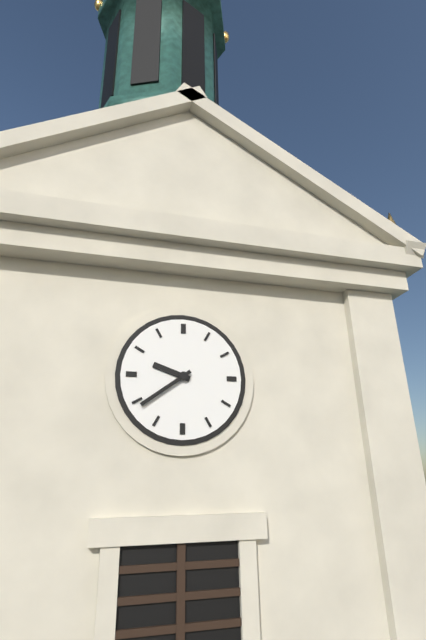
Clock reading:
**9:39**
